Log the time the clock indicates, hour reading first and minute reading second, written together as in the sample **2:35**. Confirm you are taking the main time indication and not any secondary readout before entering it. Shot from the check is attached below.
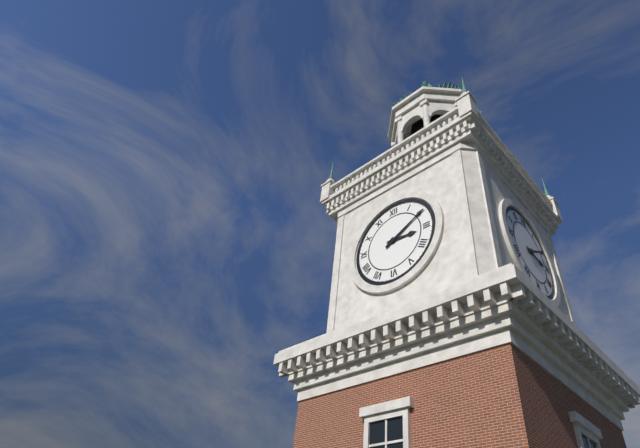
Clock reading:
**3:10**
